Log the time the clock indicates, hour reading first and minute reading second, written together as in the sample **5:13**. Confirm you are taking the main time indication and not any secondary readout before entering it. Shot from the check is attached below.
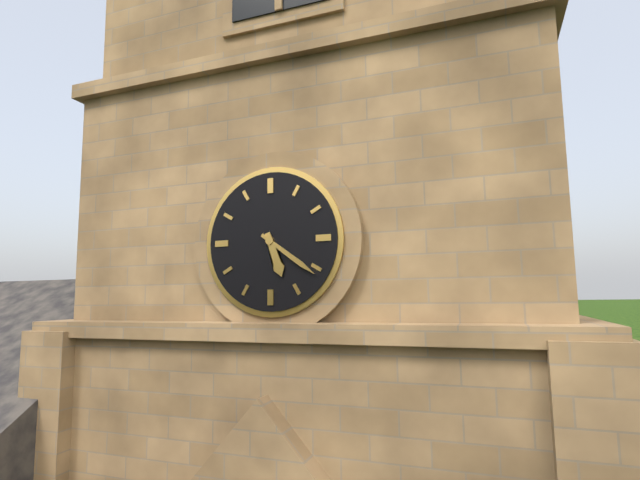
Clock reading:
**5:21**
